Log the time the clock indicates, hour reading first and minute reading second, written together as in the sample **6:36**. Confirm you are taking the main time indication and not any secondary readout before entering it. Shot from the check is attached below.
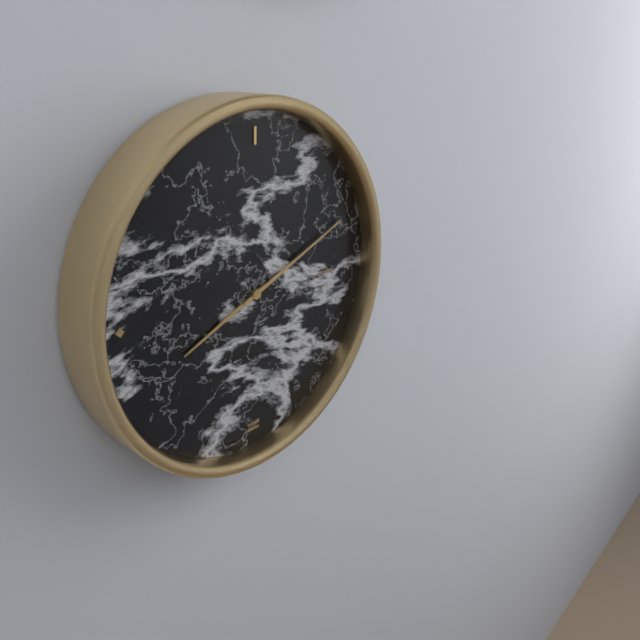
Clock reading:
**8:11**
